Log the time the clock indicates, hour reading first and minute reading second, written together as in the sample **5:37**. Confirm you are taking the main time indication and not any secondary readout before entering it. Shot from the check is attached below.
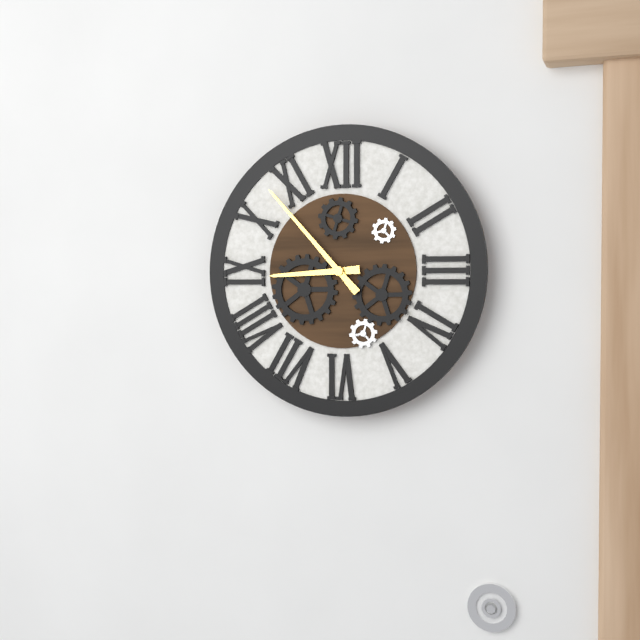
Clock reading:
**8:53**
